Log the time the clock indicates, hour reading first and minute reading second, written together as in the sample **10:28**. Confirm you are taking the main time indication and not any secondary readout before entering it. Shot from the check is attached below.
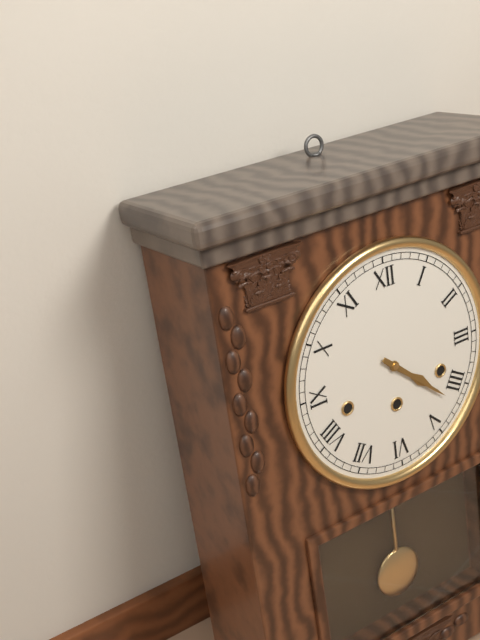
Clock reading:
**4:22**
